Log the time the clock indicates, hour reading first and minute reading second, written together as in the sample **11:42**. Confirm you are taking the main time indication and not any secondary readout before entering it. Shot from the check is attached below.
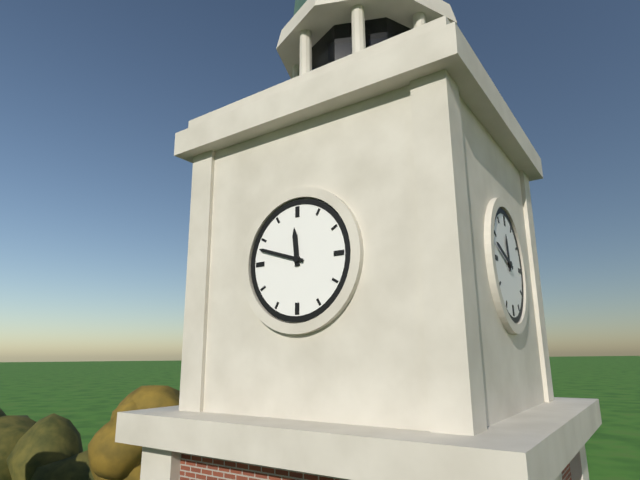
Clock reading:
**11:48**
